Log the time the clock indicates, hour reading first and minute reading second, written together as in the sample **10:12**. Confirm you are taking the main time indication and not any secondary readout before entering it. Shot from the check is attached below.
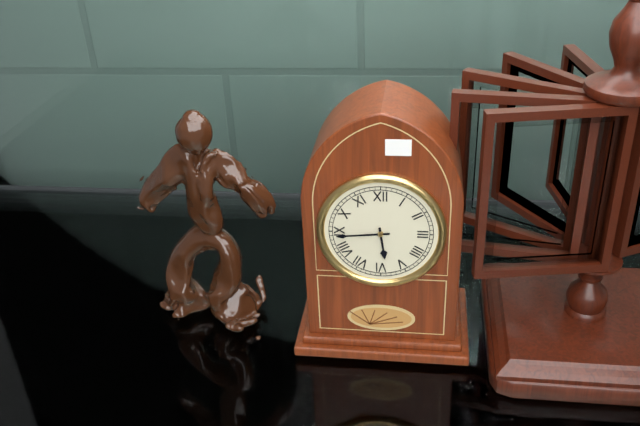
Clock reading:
**5:44**
